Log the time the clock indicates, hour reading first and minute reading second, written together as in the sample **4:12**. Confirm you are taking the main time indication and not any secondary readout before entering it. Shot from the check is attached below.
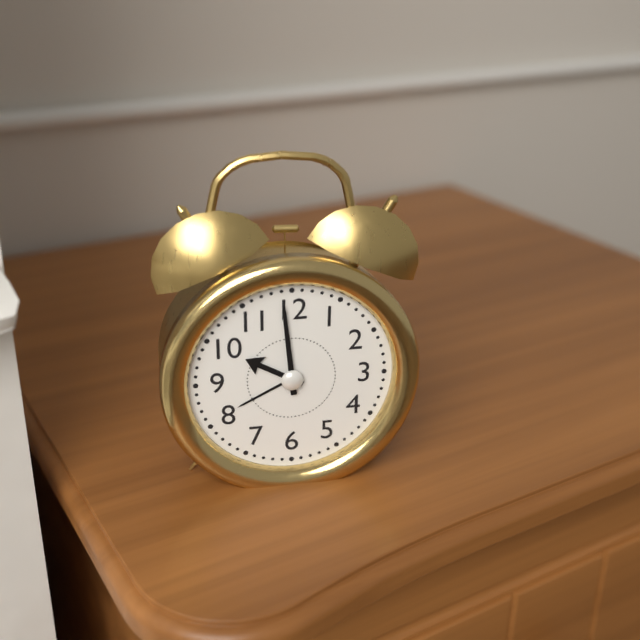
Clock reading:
**9:59**
